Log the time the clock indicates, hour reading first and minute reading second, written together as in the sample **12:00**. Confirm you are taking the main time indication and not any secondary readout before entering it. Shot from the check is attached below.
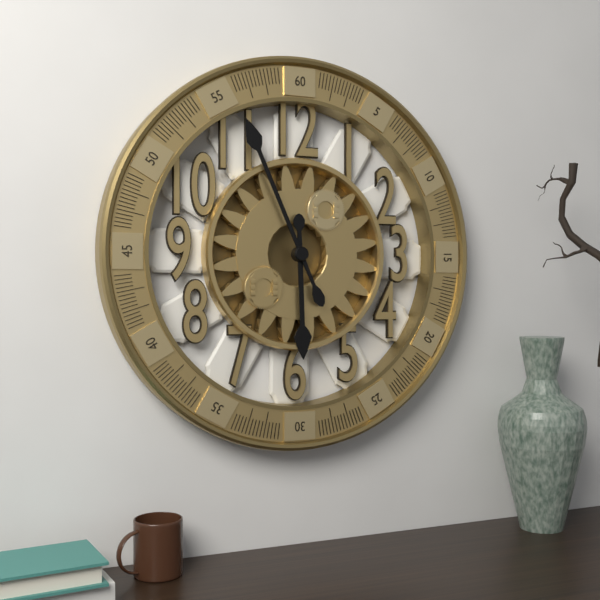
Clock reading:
**5:56**
